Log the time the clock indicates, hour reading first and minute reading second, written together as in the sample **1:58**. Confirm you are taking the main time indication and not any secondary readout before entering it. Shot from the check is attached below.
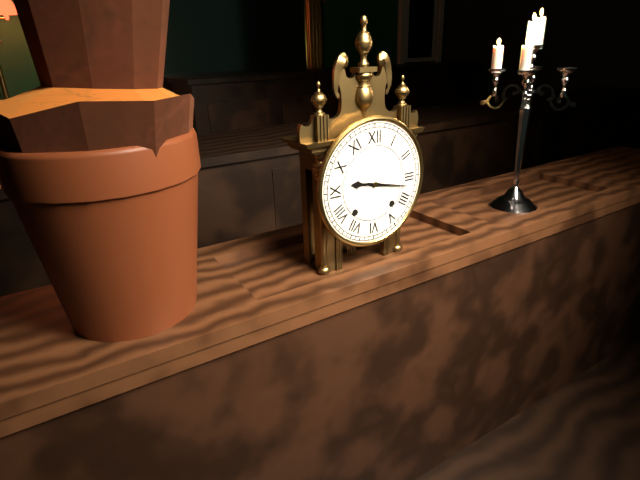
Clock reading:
**9:17**
